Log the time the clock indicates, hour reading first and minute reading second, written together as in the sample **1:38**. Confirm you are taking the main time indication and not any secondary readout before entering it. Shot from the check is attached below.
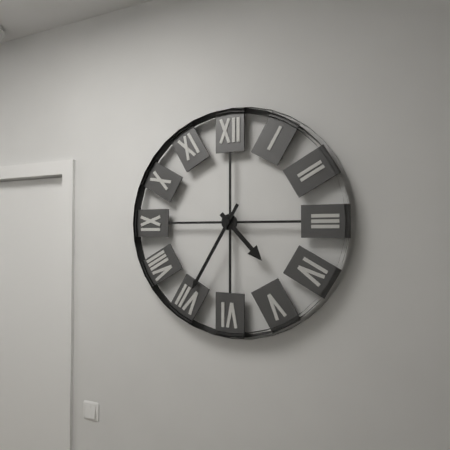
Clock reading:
**4:35**
